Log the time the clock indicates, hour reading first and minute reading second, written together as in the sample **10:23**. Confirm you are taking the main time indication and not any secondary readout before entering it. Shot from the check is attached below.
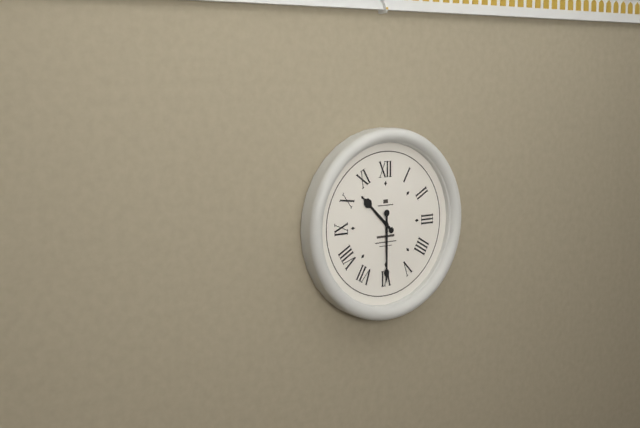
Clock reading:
**10:30**
